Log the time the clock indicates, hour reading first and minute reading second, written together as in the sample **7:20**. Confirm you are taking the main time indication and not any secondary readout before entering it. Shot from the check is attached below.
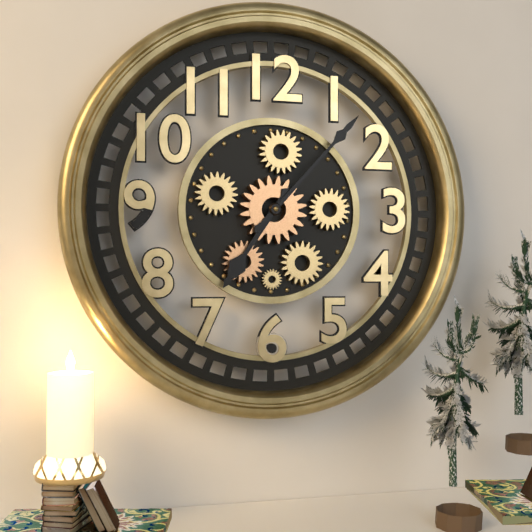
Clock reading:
**7:07**
